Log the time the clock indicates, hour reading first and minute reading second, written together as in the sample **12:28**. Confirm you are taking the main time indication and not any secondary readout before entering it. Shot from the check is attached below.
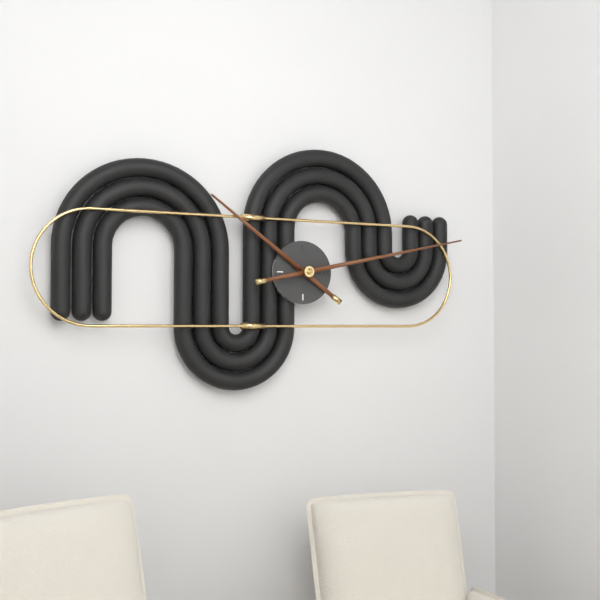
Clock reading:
**10:13**
